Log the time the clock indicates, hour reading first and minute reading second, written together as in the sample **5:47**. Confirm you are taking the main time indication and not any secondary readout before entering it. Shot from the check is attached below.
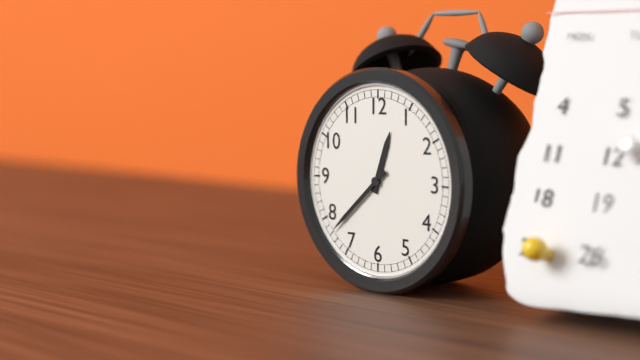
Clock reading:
**12:38**
